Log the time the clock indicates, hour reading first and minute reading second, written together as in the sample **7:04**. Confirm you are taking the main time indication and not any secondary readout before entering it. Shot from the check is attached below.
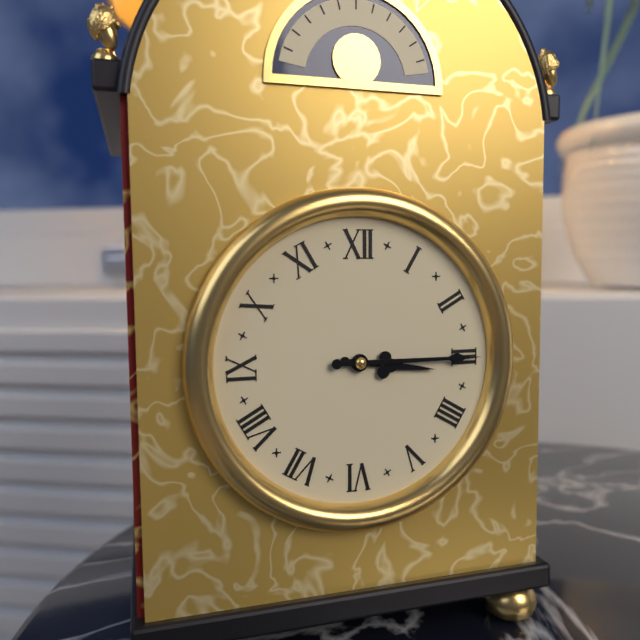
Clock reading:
**3:15**
